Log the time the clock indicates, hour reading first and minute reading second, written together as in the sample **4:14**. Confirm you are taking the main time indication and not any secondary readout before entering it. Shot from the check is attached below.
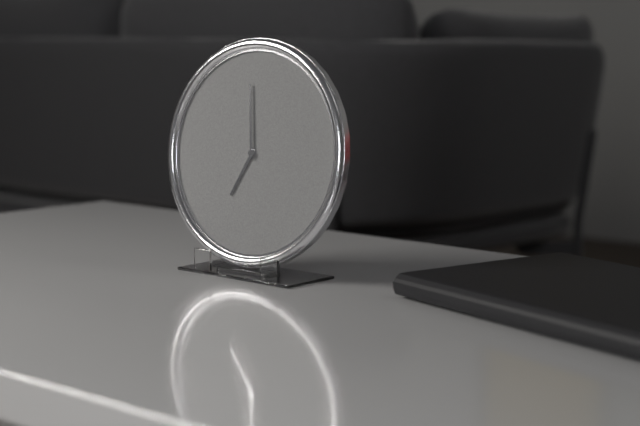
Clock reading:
**6:59**
